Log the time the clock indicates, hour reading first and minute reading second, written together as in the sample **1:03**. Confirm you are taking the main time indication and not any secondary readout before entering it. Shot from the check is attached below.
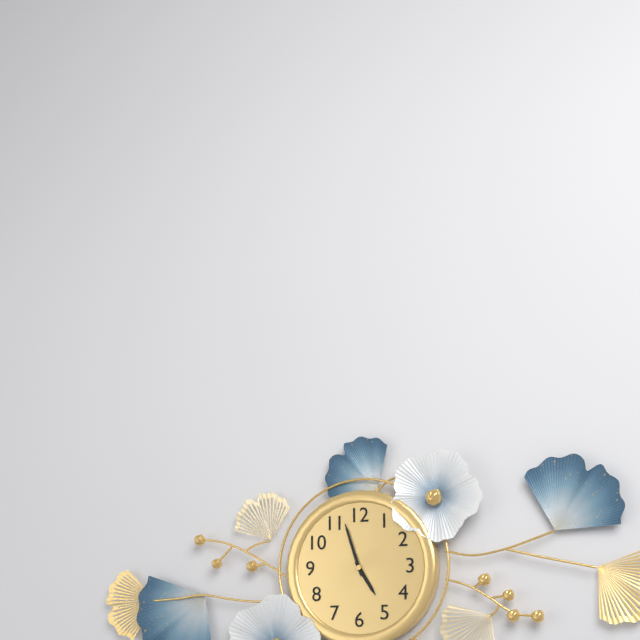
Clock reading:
**4:57**
